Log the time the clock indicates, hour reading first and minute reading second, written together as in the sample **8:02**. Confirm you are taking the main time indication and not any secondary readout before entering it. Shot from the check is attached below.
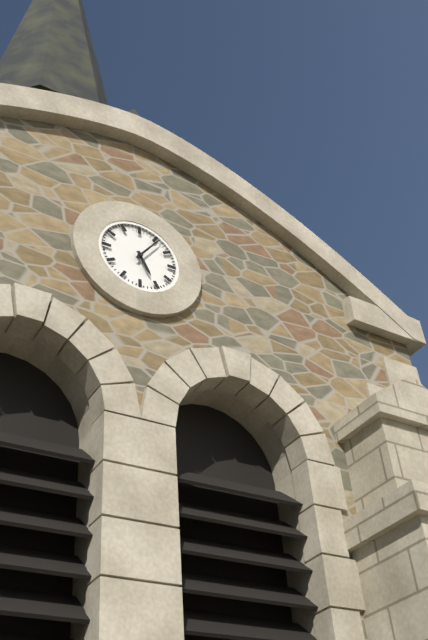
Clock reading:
**5:06**
